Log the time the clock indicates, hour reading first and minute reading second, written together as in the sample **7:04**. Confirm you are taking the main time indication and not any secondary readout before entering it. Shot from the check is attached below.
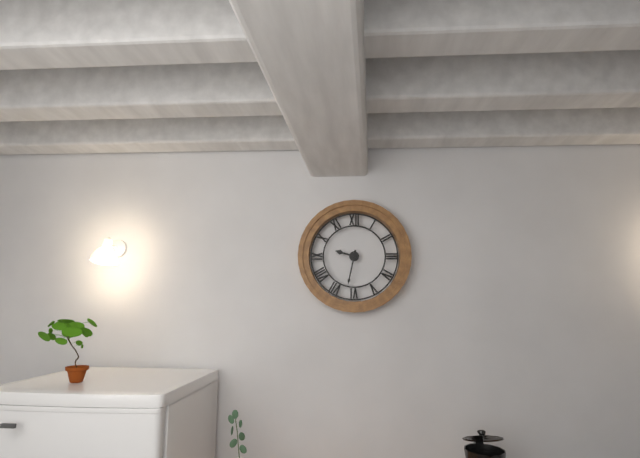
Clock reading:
**9:32**
